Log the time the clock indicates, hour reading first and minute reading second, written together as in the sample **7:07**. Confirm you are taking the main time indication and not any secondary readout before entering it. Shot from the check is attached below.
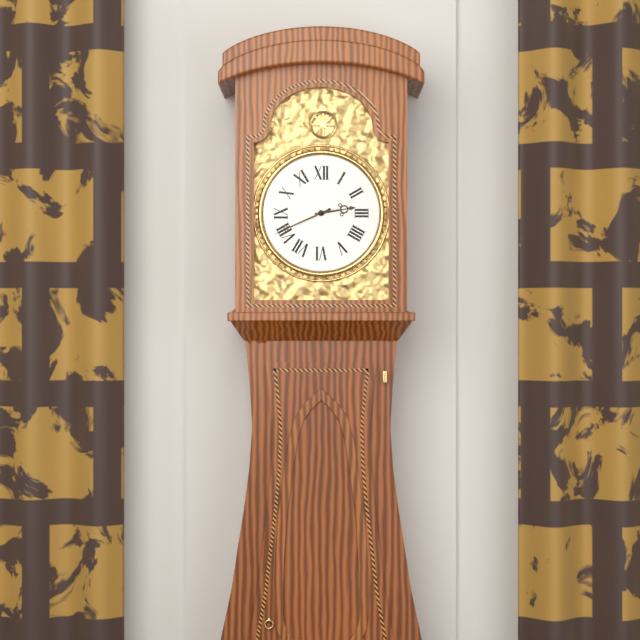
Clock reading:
**2:41**
